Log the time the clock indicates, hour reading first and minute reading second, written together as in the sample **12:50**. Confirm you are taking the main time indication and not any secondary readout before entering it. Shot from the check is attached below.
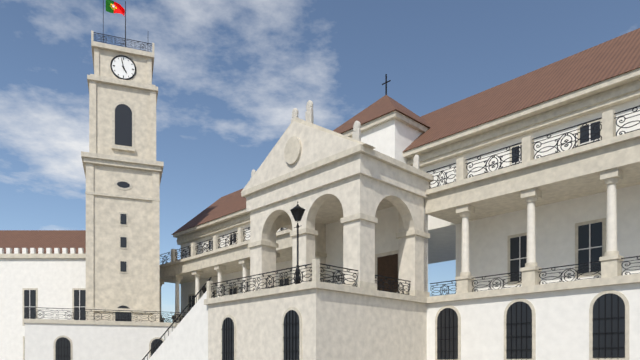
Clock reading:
**4:58**
